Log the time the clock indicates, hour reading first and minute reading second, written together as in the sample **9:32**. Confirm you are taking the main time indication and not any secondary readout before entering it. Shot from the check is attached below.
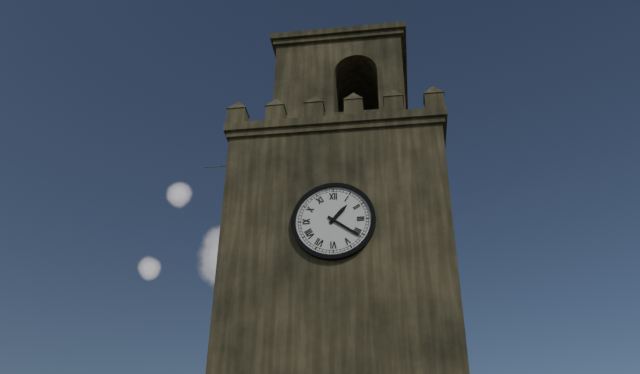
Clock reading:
**1:21**
